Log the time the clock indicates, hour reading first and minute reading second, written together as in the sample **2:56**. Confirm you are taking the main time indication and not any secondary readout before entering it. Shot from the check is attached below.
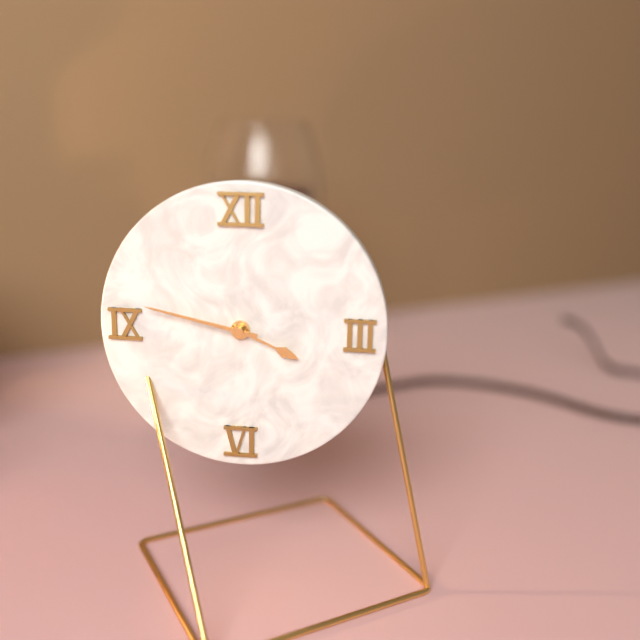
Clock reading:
**3:47**
